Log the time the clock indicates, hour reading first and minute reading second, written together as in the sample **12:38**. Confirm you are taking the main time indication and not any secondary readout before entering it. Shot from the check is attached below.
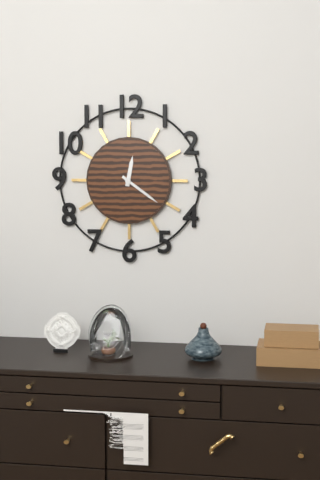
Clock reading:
**12:21**
